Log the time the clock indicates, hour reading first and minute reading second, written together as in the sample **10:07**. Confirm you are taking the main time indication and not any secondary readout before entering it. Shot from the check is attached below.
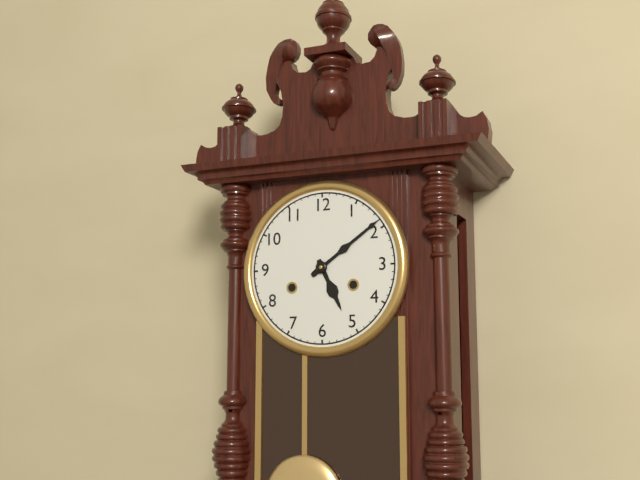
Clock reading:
**5:09**
